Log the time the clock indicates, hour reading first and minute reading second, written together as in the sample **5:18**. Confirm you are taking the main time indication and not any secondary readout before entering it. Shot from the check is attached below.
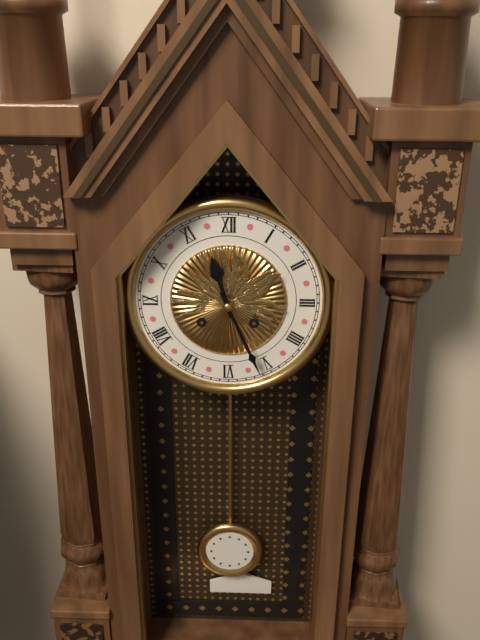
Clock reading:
**11:26**
